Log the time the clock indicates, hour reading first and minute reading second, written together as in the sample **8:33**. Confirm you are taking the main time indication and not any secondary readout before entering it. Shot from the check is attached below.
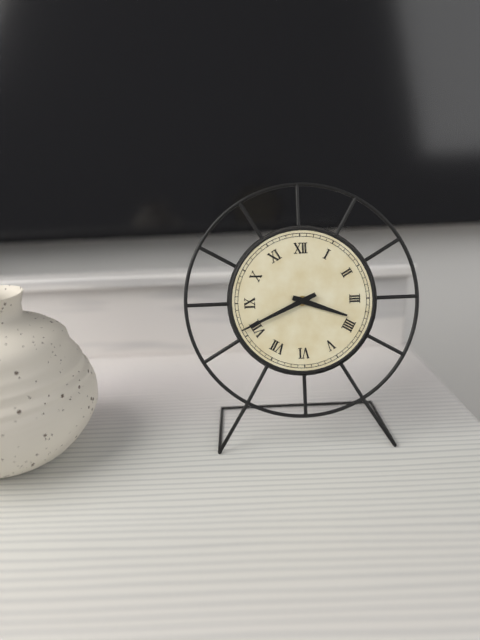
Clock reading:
**3:41**
